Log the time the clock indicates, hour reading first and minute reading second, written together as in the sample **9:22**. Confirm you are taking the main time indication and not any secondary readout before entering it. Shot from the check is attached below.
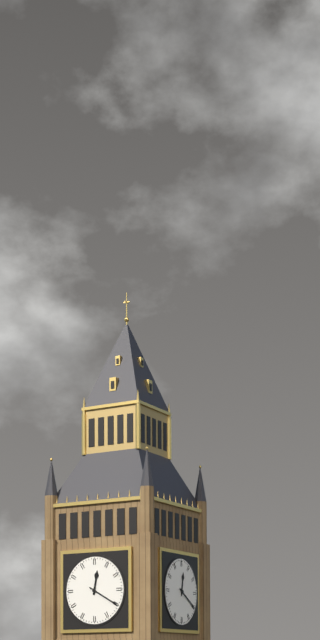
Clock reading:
**12:20**
